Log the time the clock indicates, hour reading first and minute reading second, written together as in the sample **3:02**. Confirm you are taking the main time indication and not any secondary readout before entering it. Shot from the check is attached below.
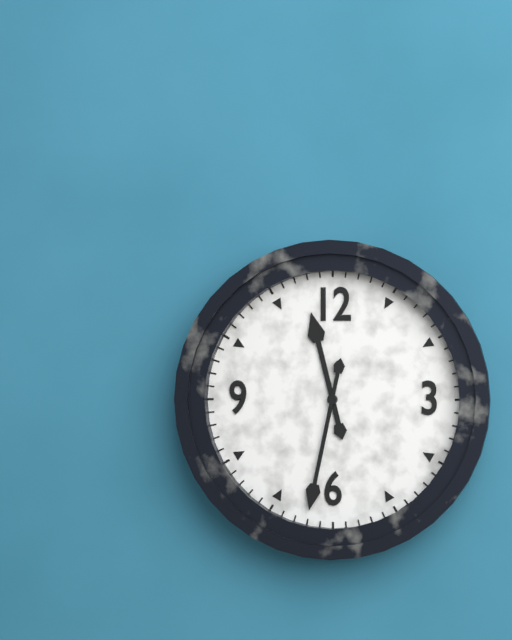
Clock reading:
**11:32**
